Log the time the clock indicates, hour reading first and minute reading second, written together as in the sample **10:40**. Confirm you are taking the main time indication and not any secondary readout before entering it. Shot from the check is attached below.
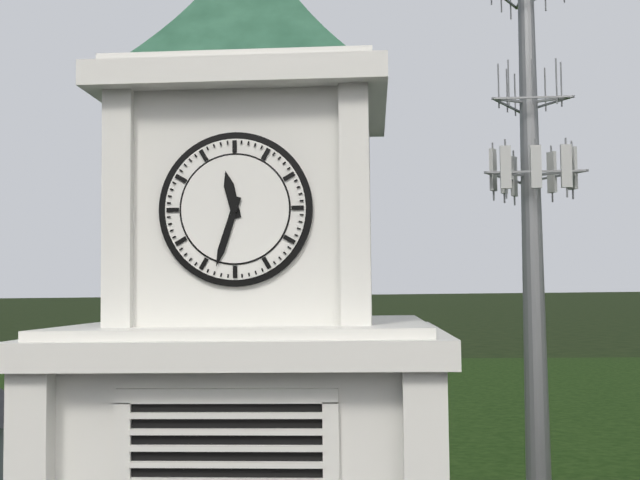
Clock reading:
**11:33**
